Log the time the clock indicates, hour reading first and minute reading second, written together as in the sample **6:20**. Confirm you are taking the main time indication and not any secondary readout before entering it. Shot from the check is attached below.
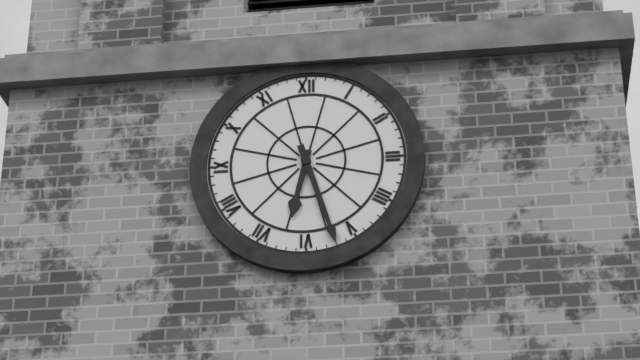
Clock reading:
**6:27**
